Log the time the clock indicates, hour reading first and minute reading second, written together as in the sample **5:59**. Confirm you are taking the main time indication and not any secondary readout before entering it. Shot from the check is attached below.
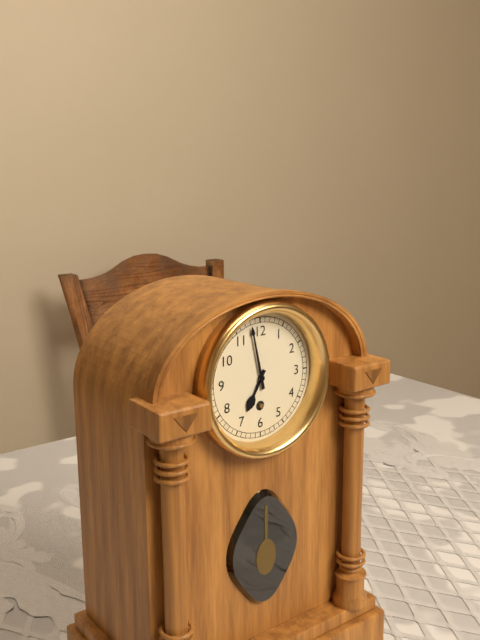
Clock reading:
**6:58**
